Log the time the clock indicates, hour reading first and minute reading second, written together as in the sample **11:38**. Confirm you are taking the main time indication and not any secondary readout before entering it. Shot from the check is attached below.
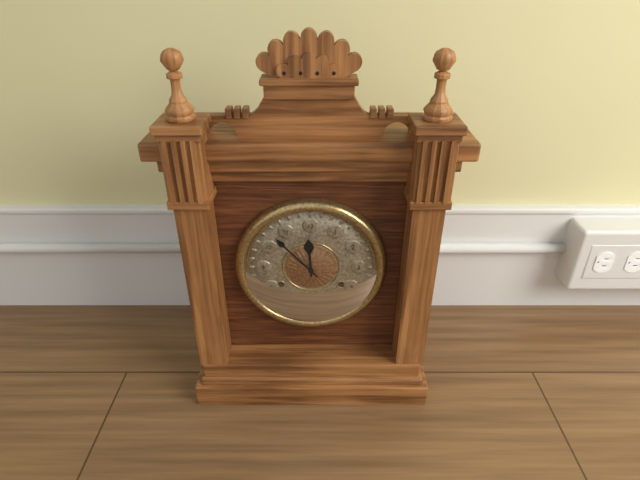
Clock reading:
**11:53**
